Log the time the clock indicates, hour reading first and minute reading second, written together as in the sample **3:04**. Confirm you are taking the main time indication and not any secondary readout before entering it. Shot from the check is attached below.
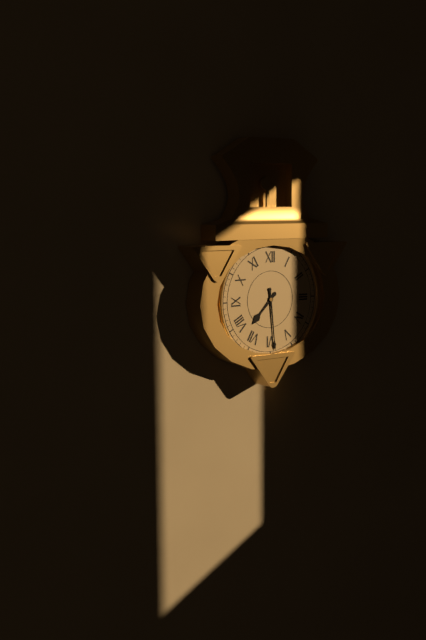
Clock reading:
**7:29**
